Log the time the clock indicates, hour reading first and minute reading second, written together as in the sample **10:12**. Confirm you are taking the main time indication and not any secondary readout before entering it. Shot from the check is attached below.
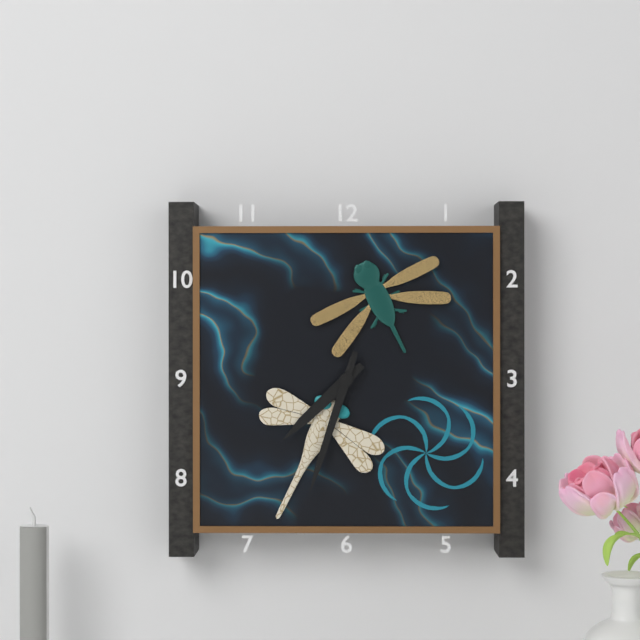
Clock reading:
**7:33**
